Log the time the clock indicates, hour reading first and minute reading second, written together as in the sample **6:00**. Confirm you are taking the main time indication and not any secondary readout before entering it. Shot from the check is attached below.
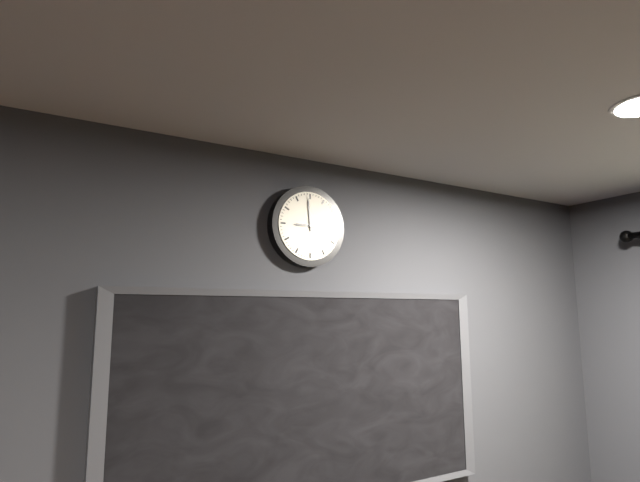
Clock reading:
**8:59**
